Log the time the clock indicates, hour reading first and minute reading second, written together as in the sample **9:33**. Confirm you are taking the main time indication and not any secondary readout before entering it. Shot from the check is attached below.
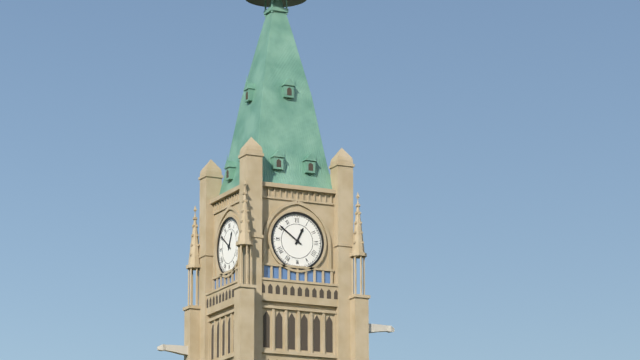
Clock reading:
**12:51**
